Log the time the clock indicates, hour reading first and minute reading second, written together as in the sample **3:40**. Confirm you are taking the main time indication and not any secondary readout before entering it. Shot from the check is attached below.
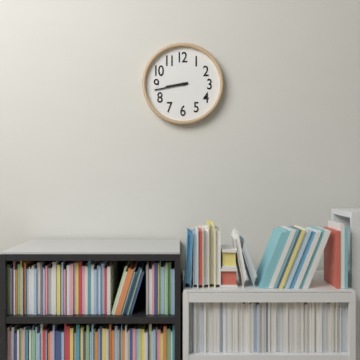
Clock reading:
**8:43**
